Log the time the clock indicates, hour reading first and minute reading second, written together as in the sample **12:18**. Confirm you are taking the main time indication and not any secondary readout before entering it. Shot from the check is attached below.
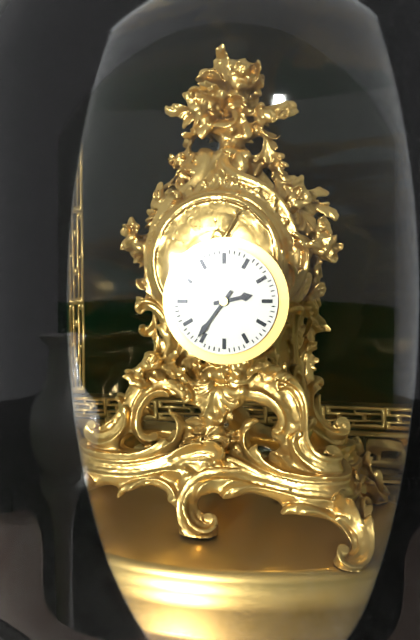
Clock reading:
**2:36**
